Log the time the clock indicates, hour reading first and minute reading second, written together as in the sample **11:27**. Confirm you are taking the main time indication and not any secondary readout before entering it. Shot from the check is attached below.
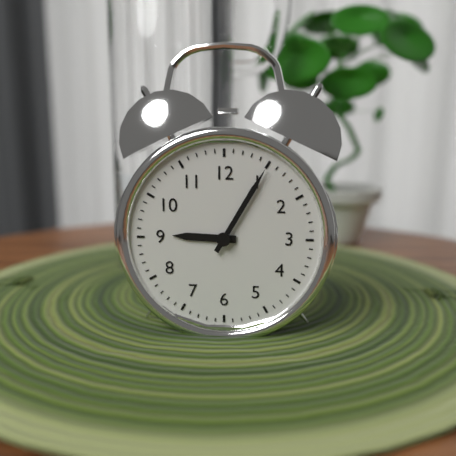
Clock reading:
**9:05**
